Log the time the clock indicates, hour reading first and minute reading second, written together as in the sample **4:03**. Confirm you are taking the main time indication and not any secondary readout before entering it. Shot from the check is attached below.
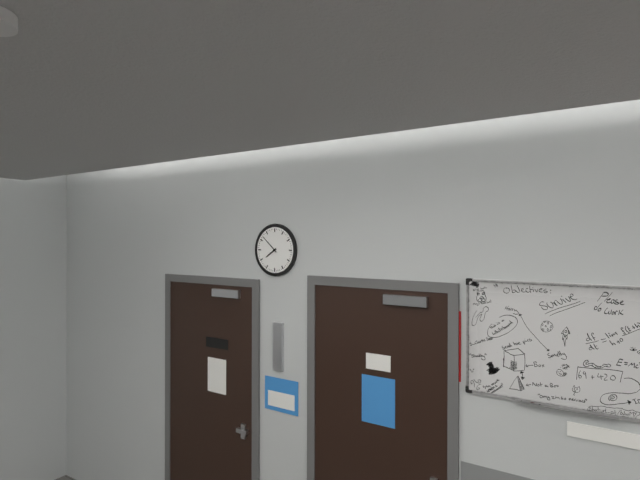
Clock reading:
**7:52**
